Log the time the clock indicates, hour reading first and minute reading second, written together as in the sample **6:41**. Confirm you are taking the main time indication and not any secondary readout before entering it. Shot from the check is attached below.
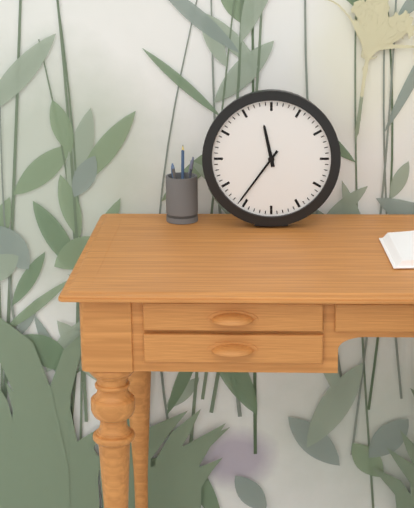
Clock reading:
**11:36**
